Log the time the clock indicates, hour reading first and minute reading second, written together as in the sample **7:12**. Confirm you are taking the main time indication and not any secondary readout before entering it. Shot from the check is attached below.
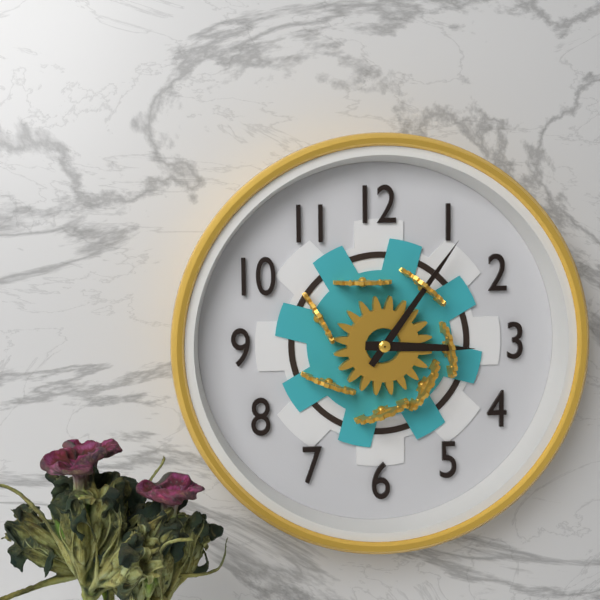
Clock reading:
**3:06**
